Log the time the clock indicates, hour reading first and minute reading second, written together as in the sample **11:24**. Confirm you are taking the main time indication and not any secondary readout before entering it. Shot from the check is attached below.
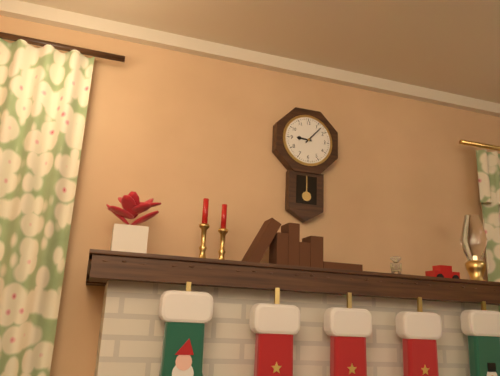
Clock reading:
**9:07**
